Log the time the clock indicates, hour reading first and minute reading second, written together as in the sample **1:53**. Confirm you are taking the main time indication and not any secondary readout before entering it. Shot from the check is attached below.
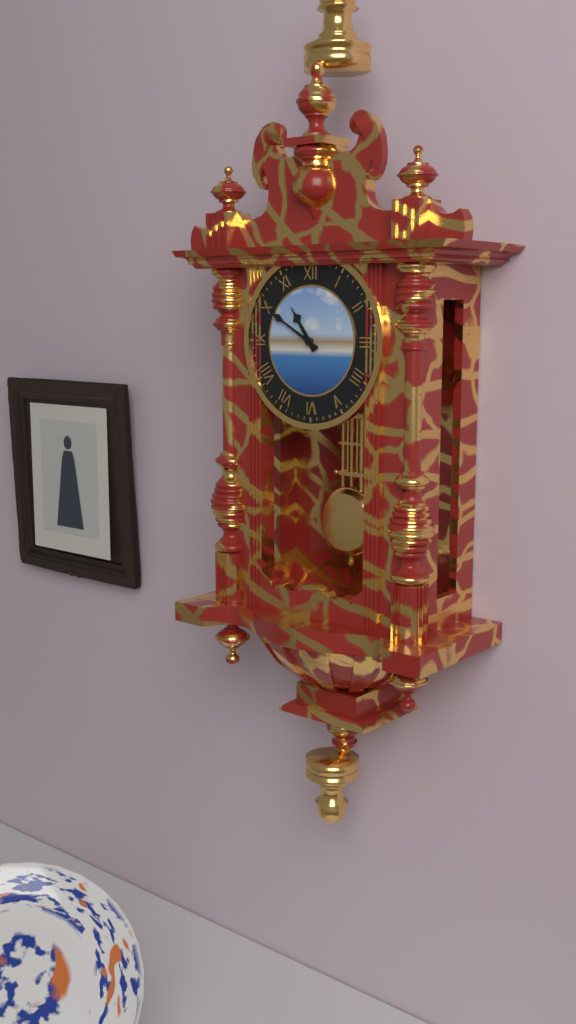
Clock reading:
**10:50**
